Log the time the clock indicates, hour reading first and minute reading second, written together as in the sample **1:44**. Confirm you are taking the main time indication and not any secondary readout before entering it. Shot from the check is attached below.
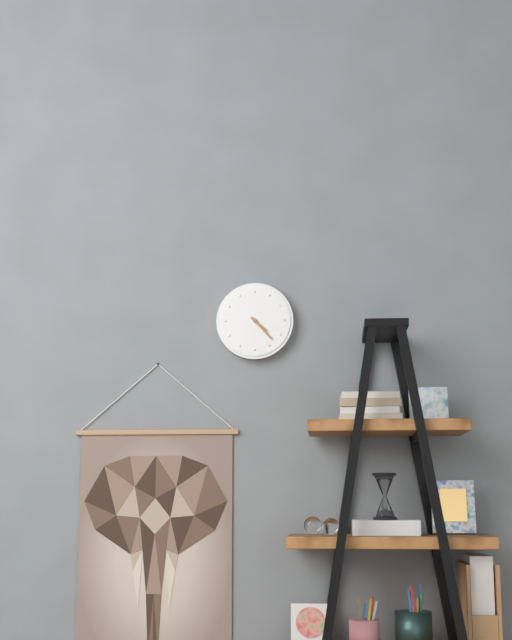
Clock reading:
**4:23**
